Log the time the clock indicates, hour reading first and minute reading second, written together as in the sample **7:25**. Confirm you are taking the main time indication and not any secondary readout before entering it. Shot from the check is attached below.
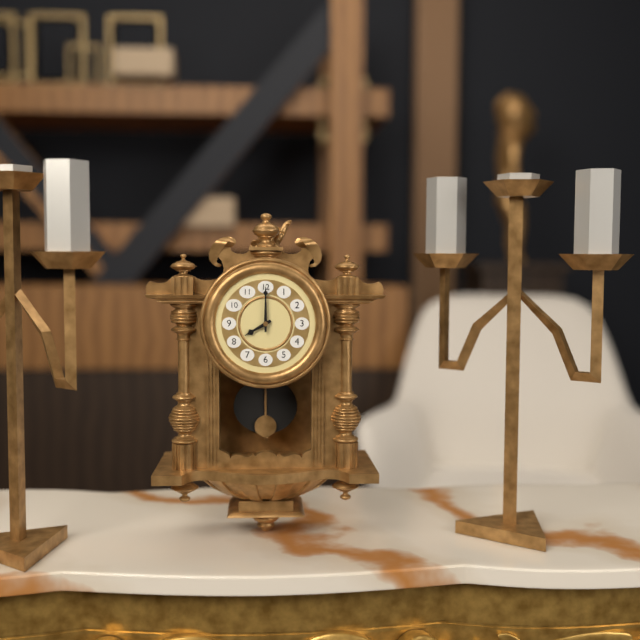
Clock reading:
**8:00**
